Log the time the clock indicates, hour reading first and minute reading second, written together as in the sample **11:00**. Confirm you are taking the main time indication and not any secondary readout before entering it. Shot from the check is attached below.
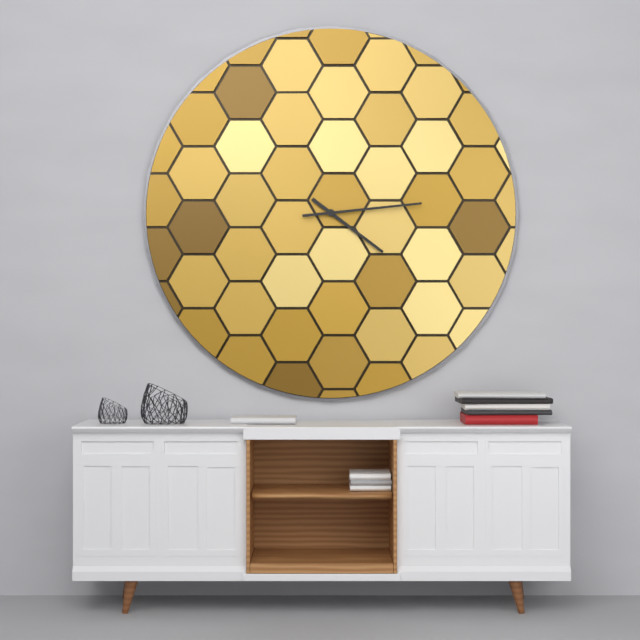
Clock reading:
**4:14**
